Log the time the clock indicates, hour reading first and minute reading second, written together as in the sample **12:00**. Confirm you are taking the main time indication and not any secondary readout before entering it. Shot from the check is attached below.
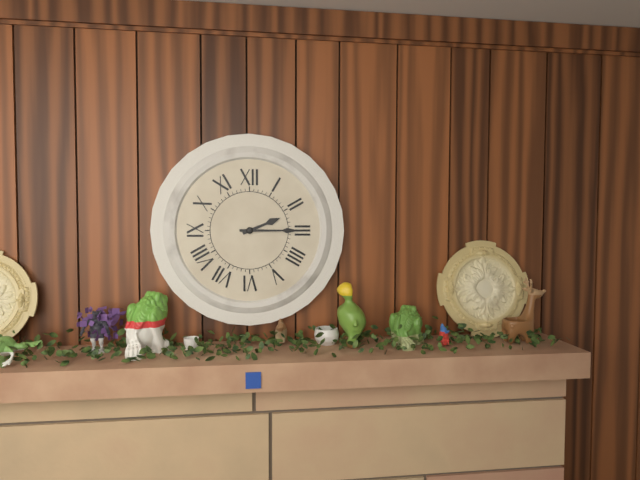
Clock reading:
**2:15**
